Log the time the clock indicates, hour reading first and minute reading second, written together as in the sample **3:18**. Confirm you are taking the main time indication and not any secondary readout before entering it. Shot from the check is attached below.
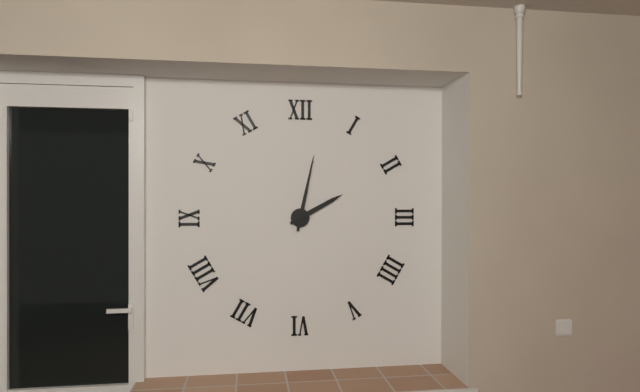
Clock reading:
**2:02**
